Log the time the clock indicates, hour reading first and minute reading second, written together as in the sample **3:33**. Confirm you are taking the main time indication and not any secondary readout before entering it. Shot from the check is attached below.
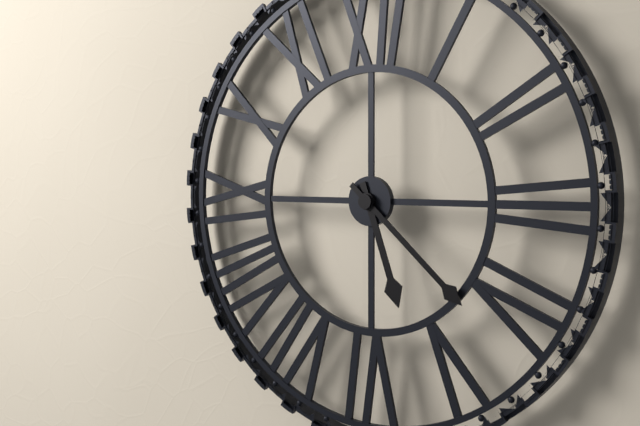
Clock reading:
**5:22**
